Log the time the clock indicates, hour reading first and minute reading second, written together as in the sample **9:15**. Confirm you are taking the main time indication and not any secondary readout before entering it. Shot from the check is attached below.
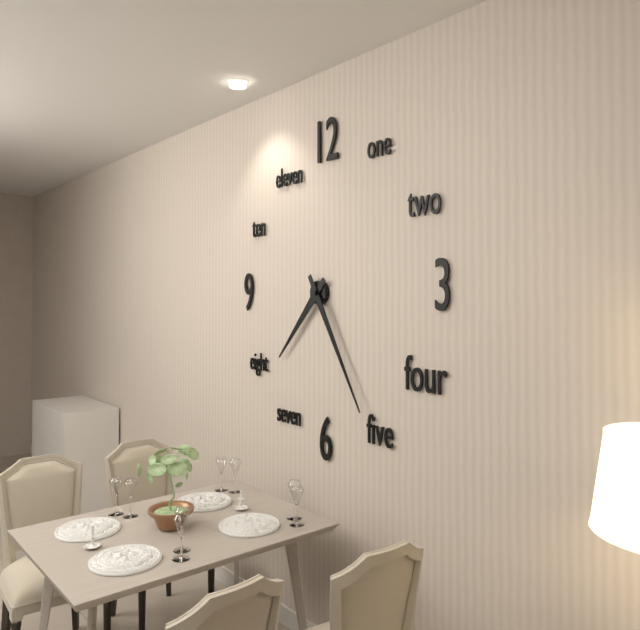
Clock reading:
**7:25**
